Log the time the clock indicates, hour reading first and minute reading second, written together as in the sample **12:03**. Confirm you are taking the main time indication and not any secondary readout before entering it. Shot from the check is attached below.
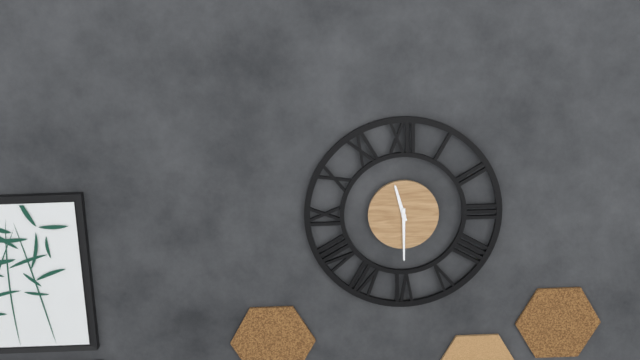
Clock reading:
**11:30**
